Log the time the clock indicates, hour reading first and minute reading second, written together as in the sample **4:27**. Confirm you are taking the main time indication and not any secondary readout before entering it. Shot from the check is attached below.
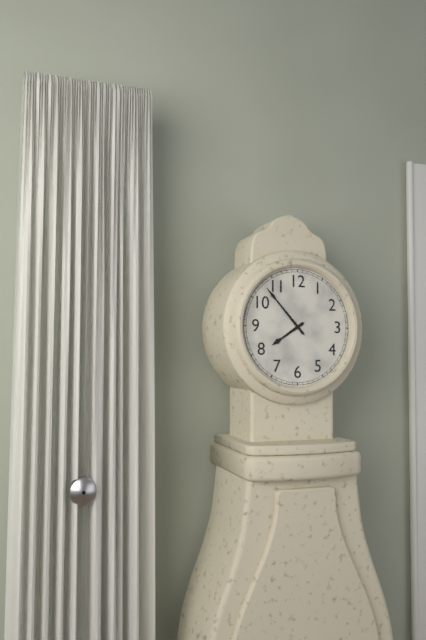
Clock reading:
**7:53**
